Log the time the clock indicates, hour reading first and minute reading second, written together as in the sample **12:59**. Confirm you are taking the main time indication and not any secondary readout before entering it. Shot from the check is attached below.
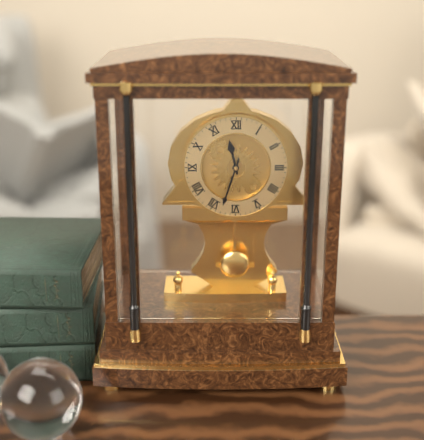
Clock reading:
**11:33**
